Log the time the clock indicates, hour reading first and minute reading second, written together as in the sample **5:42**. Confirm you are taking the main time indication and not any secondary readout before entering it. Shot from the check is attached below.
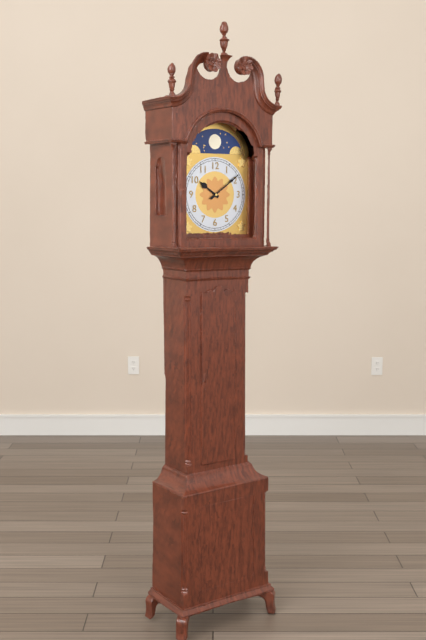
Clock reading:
**10:09**
